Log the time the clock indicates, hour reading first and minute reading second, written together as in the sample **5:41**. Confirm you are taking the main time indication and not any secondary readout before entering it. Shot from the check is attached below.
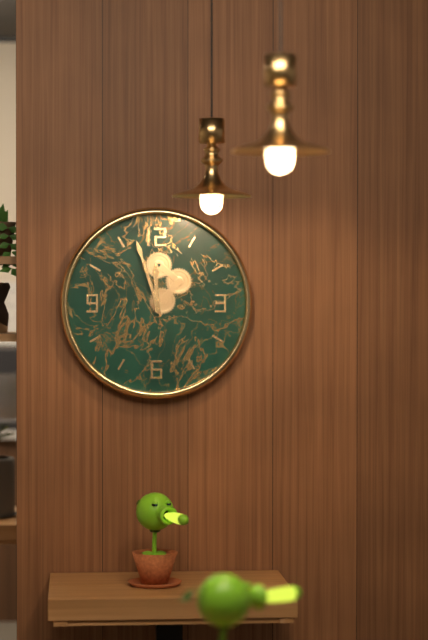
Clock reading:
**11:57**
